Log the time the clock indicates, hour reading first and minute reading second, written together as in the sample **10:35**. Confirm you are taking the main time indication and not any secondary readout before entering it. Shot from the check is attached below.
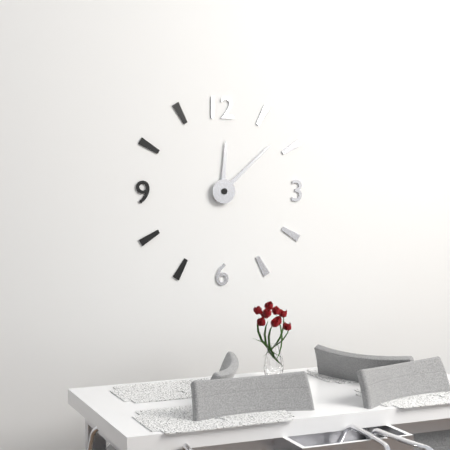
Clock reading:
**12:08**
